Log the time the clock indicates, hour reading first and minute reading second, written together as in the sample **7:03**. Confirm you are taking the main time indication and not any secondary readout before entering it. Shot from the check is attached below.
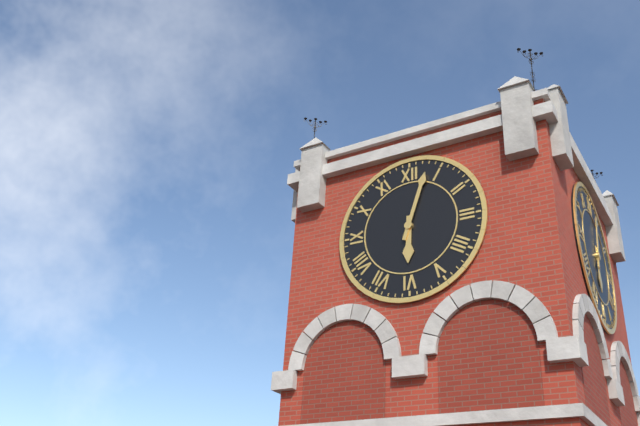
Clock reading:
**6:03**
